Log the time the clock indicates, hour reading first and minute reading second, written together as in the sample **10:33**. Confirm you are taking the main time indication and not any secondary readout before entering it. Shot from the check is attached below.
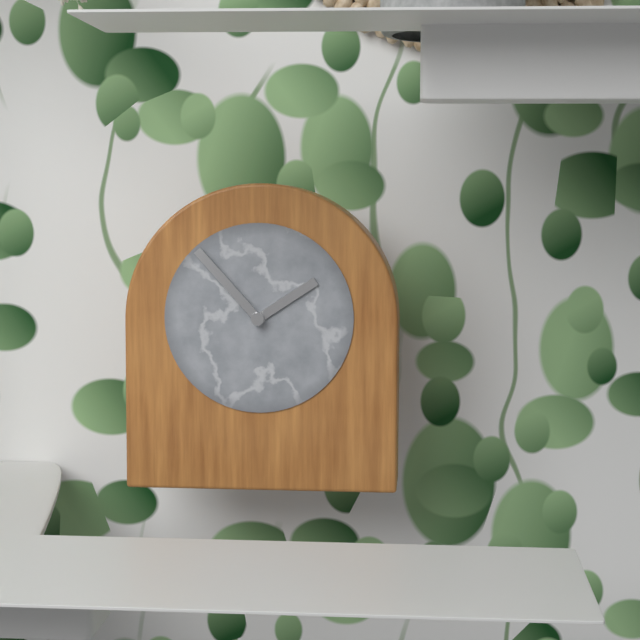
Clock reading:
**1:53**
